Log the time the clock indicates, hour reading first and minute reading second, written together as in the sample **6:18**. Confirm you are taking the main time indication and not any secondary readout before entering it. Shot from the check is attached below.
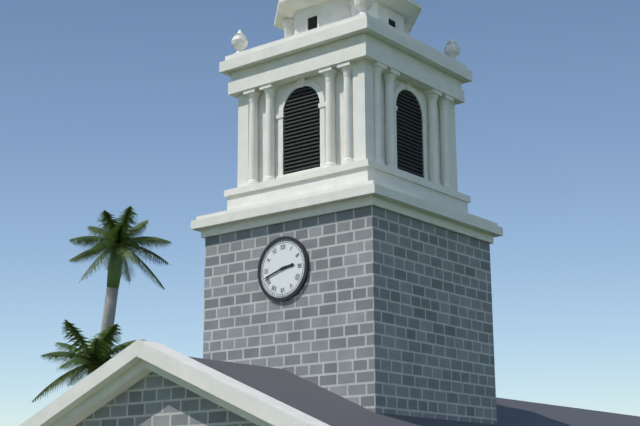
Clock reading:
**2:42**
